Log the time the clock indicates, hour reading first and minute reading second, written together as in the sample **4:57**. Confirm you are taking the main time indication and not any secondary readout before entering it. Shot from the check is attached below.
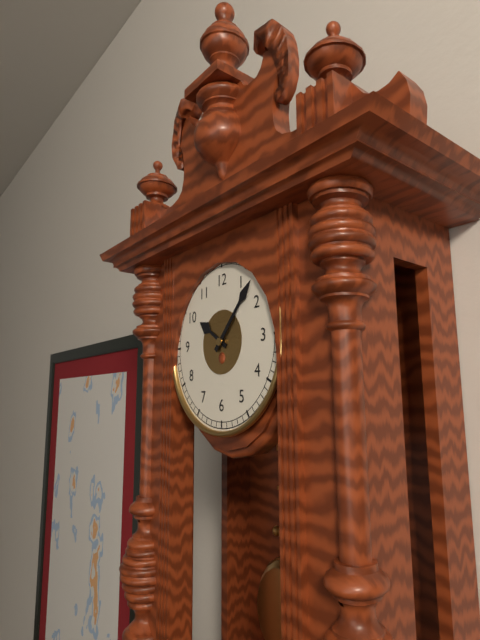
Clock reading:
**10:07**
